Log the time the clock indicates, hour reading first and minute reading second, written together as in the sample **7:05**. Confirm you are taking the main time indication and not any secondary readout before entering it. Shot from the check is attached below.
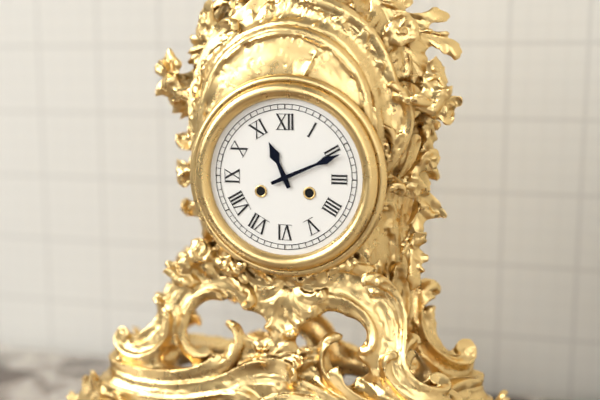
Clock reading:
**11:11**
